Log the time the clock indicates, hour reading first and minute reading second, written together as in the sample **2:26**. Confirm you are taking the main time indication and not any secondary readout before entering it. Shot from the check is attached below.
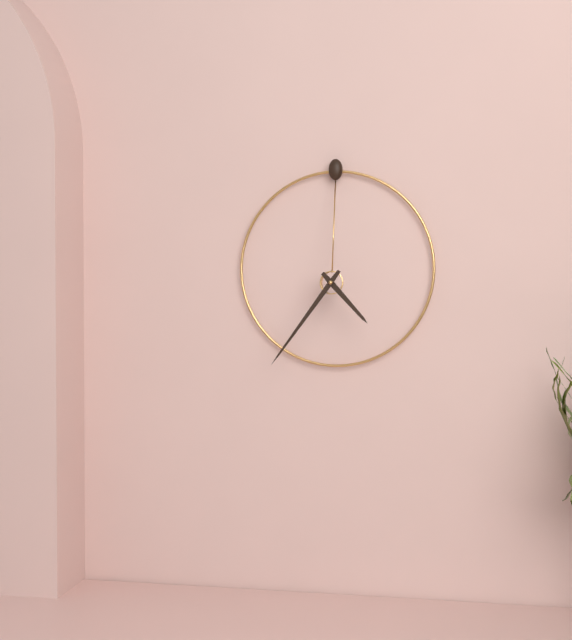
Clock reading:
**4:36**
